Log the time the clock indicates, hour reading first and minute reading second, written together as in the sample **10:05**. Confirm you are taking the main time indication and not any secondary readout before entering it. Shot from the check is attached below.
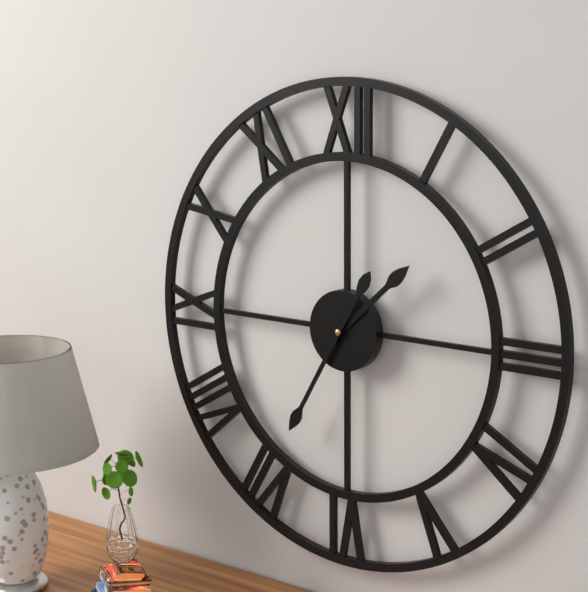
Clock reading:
**1:35**
